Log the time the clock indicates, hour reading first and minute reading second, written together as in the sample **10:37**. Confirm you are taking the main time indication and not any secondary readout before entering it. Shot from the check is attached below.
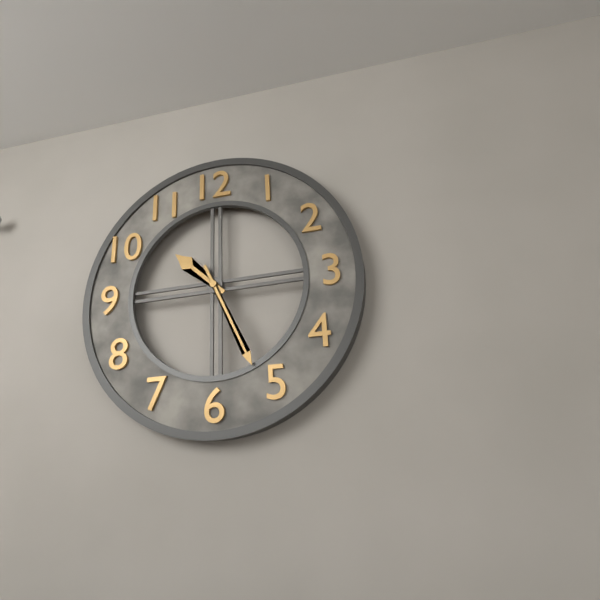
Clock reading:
**10:26**
